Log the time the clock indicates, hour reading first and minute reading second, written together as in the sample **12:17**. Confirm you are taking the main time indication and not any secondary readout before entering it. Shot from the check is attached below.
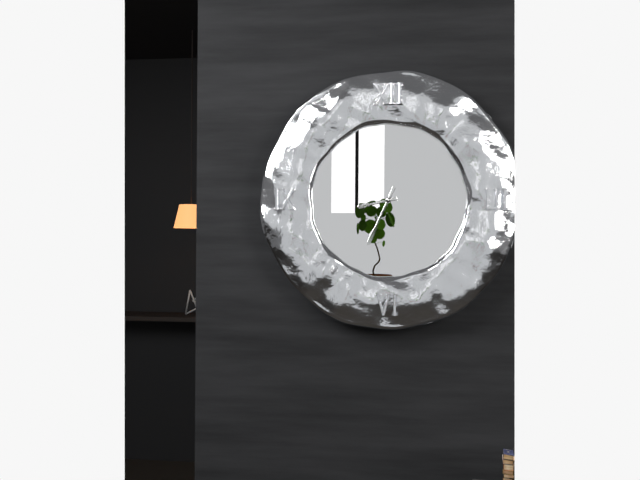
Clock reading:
**8:34**
